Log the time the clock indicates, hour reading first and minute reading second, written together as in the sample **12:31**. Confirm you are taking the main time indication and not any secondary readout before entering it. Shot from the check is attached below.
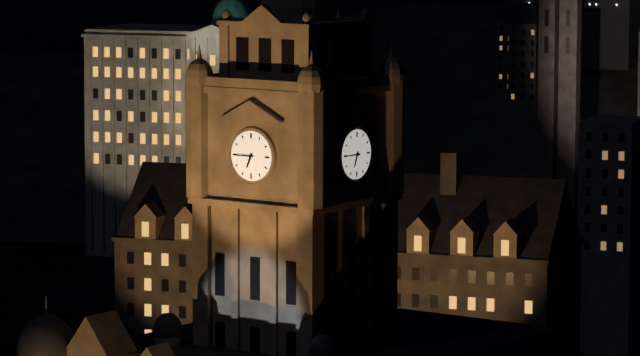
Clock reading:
**6:45**
